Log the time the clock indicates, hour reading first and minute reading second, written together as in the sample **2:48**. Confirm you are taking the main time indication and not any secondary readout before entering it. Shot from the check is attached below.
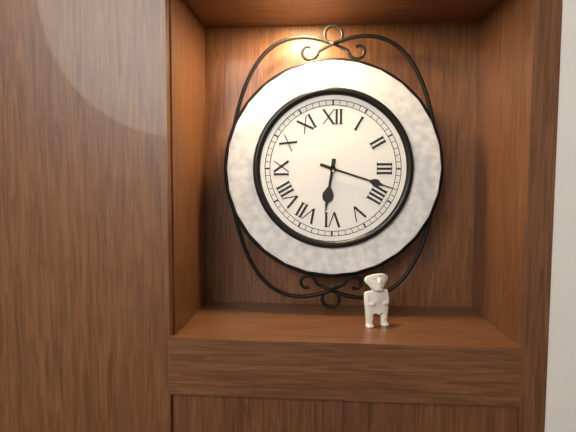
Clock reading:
**6:18**
